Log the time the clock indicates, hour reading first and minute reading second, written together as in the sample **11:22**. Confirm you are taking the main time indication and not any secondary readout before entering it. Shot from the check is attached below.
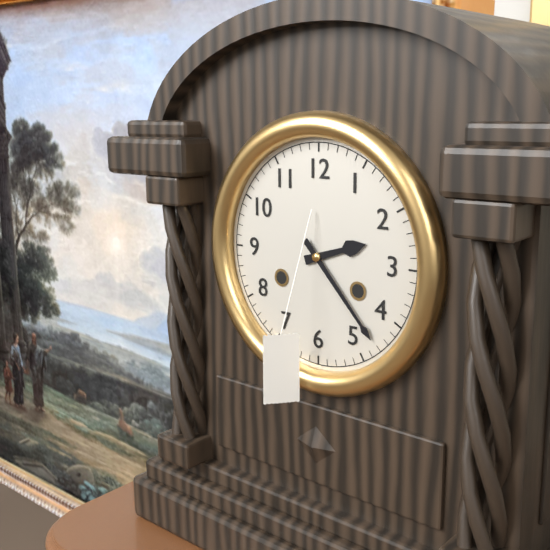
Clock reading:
**2:23**
